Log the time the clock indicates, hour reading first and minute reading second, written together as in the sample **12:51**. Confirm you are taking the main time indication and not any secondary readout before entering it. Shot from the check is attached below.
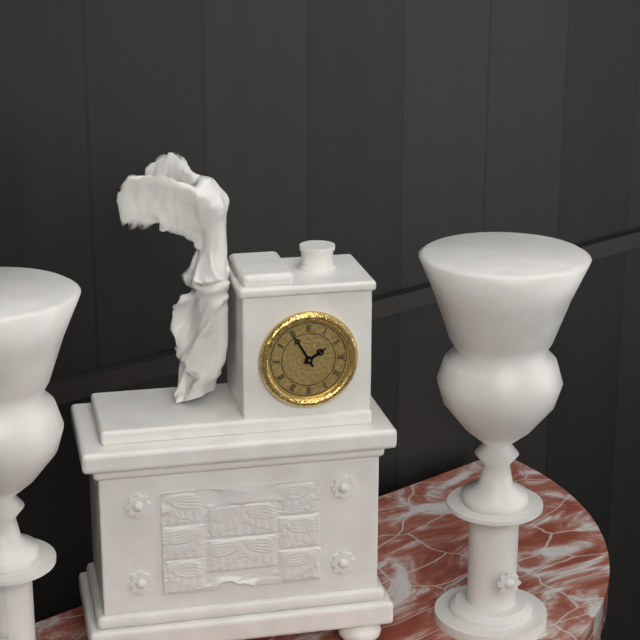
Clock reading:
**1:55**
